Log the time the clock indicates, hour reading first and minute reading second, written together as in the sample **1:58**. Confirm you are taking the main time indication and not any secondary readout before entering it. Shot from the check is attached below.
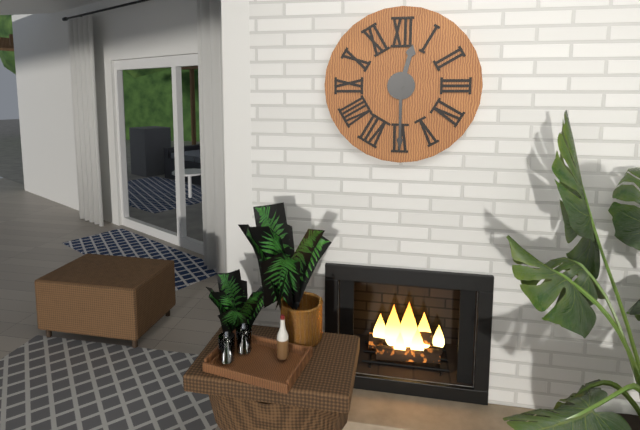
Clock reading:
**12:30**
